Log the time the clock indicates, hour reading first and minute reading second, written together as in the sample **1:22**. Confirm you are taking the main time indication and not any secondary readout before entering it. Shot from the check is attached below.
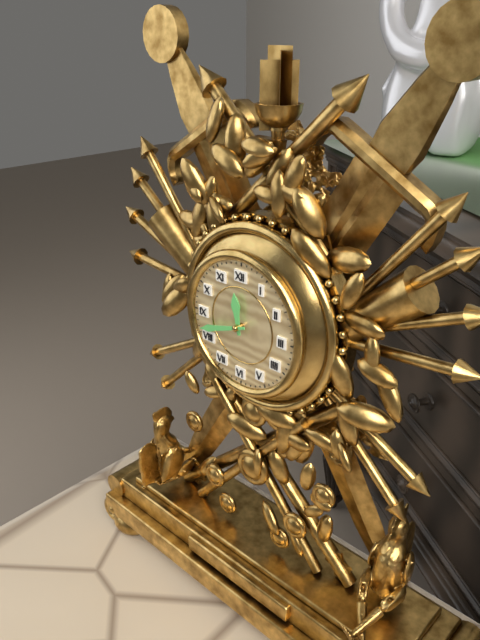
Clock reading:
**11:42**
